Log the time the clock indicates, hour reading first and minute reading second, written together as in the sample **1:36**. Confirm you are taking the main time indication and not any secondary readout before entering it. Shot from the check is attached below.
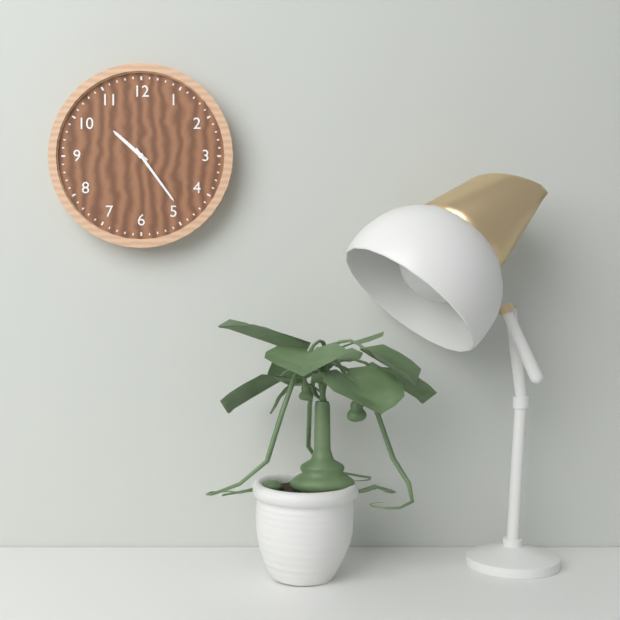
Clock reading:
**10:24**
